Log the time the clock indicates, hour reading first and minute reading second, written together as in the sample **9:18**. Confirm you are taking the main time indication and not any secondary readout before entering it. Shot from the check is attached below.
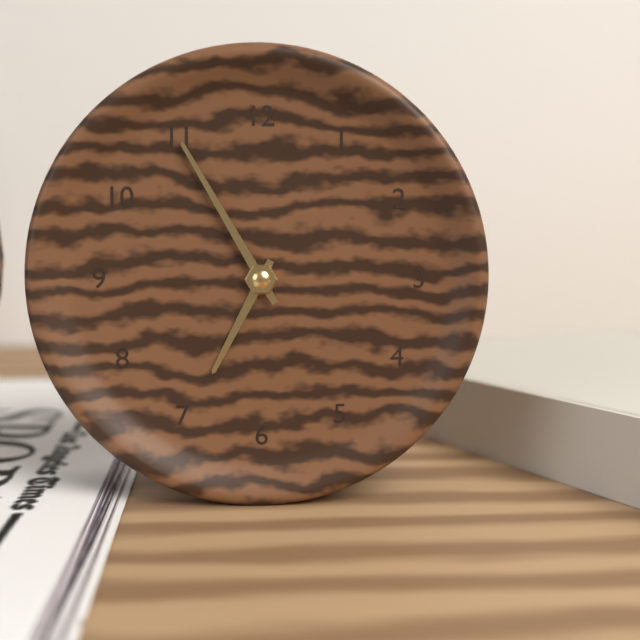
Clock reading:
**6:55**
